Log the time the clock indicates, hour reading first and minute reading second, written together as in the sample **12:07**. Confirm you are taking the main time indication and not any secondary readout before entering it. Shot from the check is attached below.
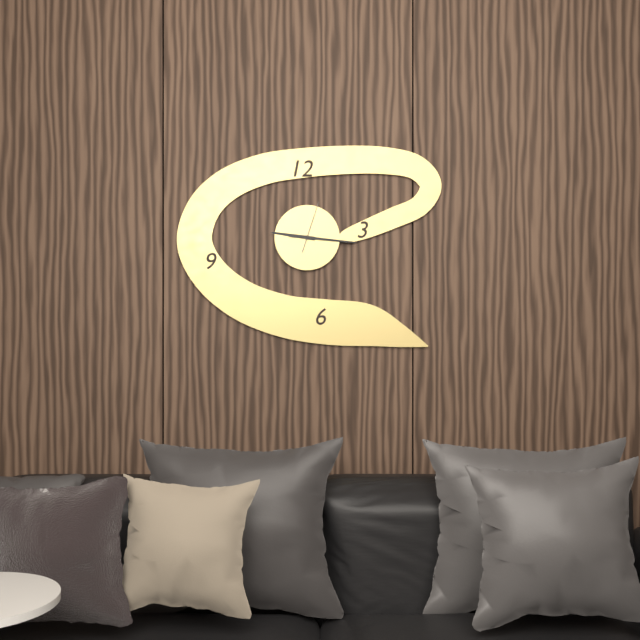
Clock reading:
**9:16**
